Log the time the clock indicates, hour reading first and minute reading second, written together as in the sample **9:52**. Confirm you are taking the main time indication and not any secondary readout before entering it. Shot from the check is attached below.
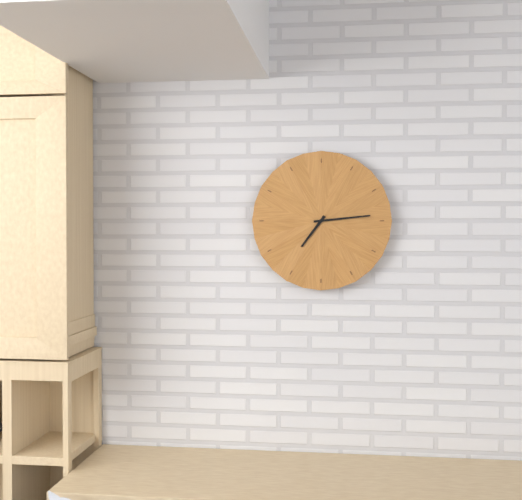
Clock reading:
**7:14**
